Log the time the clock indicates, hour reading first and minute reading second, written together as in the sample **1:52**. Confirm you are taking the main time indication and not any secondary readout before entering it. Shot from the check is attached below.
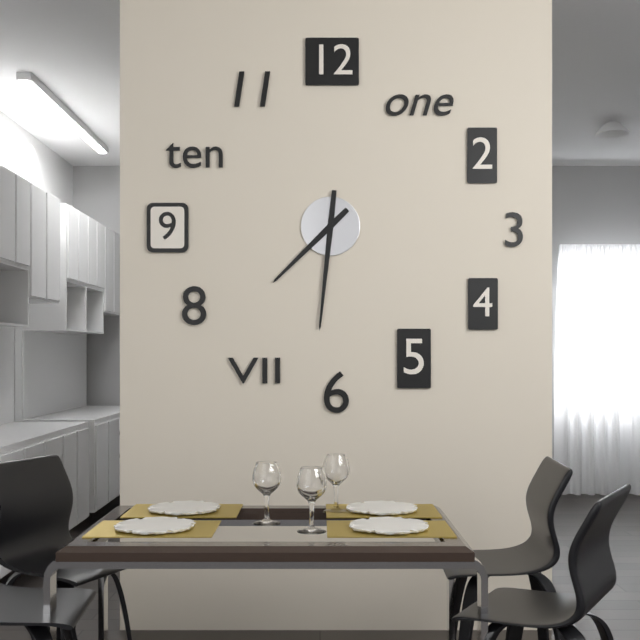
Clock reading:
**7:31**
